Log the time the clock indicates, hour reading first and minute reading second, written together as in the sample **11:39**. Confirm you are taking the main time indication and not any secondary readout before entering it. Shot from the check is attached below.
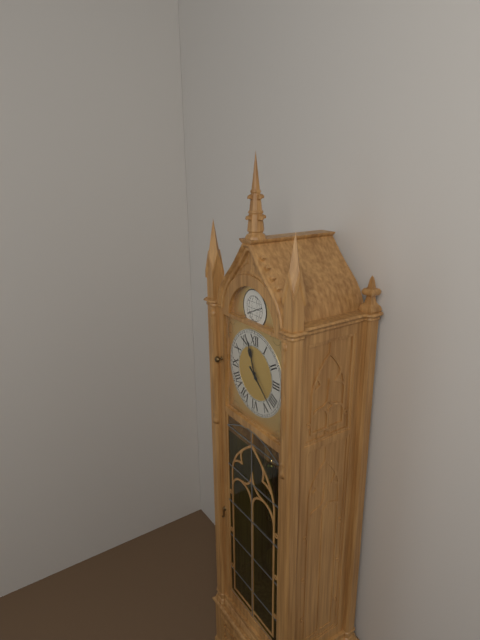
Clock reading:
**11:22**
